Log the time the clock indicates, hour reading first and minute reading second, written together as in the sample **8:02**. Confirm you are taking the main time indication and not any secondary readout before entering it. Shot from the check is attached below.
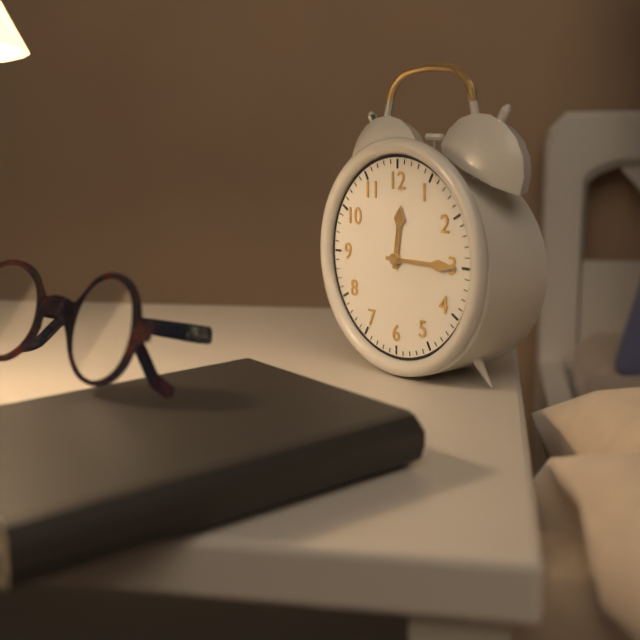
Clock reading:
**12:15**
